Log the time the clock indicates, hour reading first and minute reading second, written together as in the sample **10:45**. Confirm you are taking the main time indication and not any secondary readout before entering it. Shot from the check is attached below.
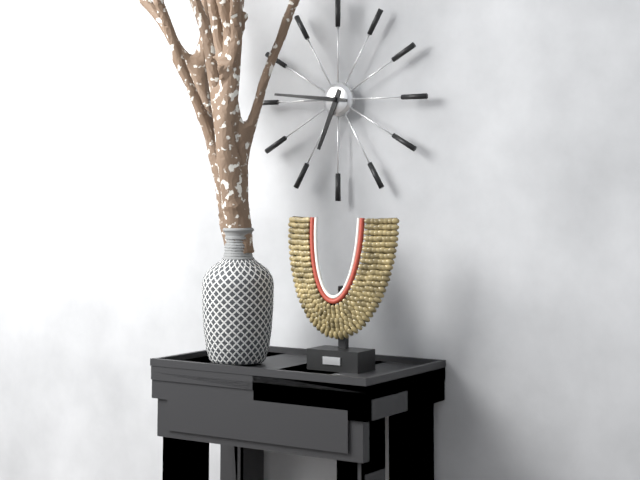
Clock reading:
**6:46**
